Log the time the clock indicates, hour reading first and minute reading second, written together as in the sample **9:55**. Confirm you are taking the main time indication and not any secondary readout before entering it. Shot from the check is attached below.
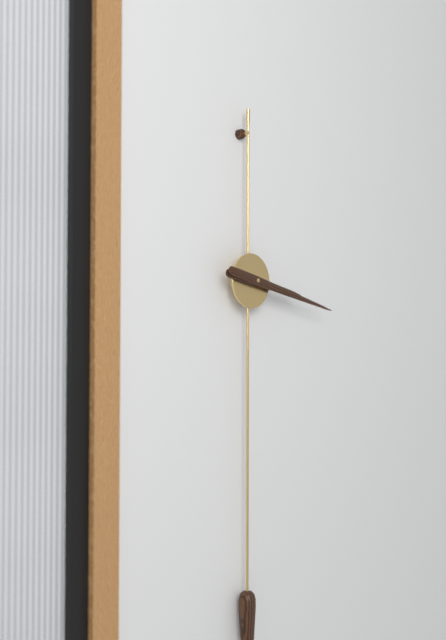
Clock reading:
**3:17**
